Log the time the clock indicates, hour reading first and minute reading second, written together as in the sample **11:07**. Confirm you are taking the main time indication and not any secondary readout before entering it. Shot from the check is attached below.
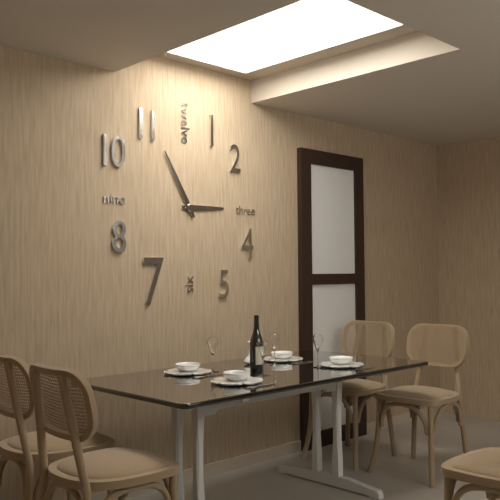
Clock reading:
**2:55**
